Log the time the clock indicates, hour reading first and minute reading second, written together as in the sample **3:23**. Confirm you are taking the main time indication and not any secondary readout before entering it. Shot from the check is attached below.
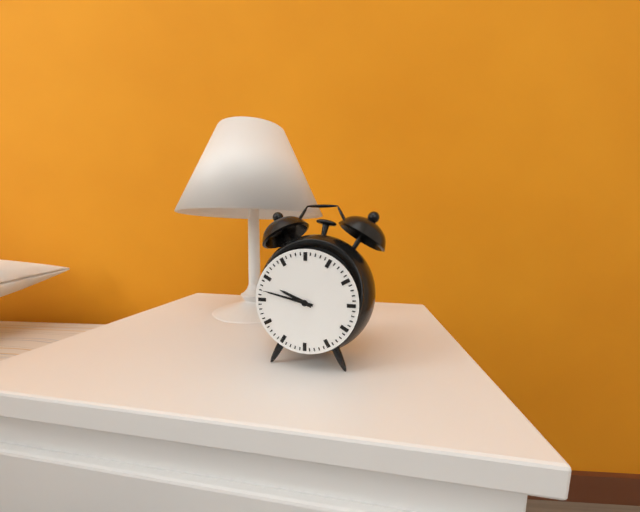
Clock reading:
**9:47**
